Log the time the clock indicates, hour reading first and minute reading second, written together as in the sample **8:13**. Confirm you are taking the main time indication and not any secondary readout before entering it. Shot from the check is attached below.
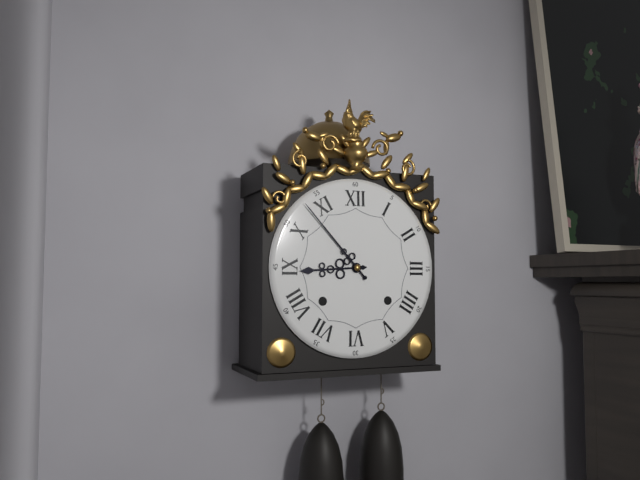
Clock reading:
**8:53**
